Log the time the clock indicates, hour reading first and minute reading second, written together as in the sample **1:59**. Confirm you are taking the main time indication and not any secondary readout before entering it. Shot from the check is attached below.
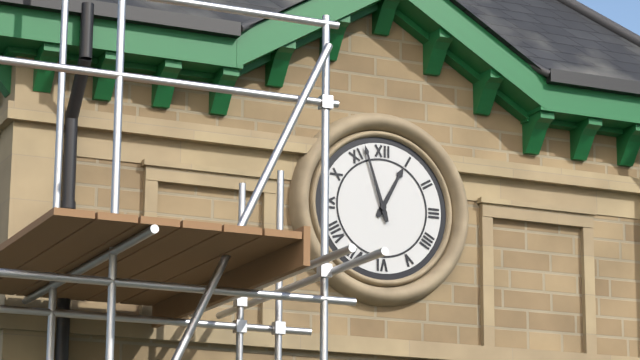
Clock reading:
**12:57**
